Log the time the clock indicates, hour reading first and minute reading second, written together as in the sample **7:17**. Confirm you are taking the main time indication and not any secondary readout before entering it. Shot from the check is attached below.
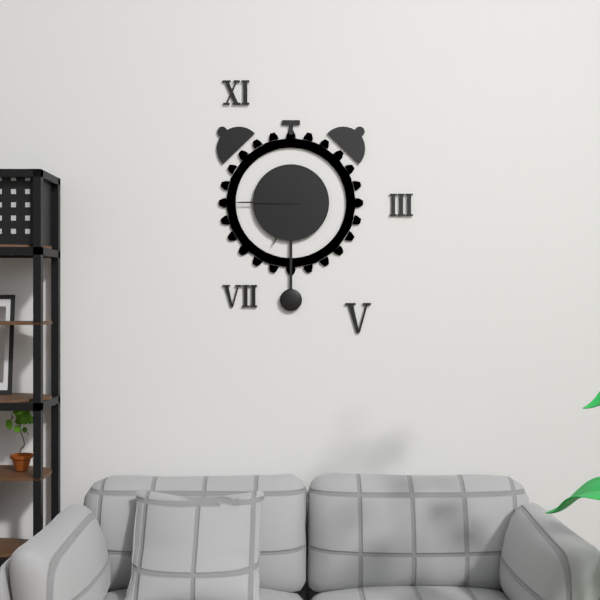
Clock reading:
**6:45**
